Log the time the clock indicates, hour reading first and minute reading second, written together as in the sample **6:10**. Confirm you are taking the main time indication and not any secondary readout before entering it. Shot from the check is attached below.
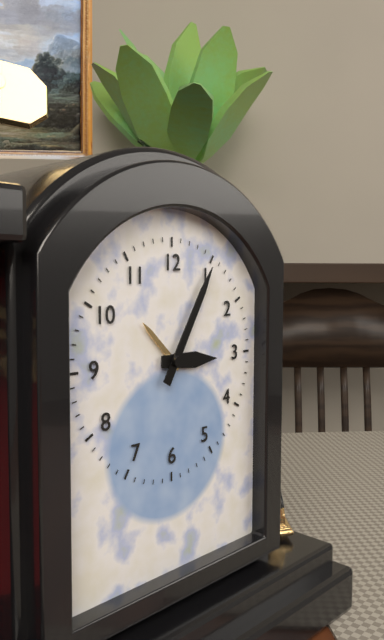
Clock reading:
**3:05**
